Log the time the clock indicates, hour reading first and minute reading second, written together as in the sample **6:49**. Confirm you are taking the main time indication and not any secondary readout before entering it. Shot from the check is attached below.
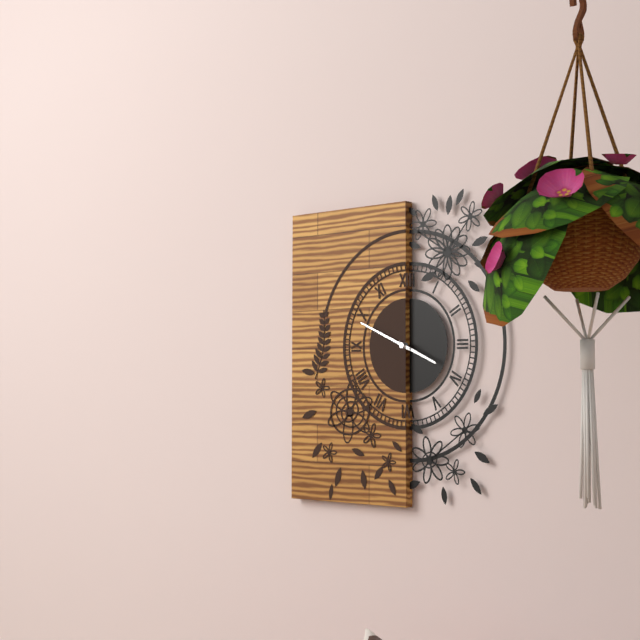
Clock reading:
**3:49**
